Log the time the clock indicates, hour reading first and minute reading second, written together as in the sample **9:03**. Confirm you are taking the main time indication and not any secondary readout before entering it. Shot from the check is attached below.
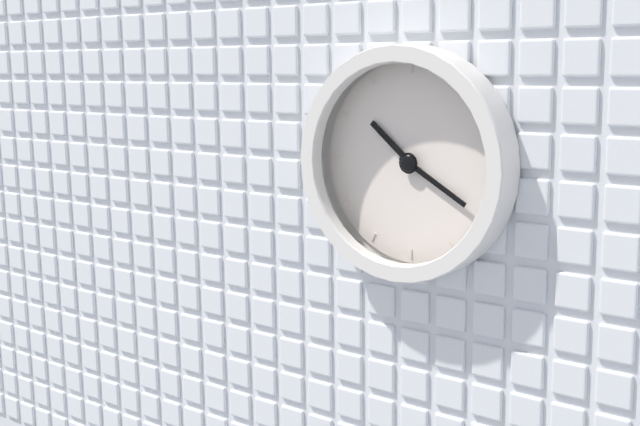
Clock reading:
**10:20**
